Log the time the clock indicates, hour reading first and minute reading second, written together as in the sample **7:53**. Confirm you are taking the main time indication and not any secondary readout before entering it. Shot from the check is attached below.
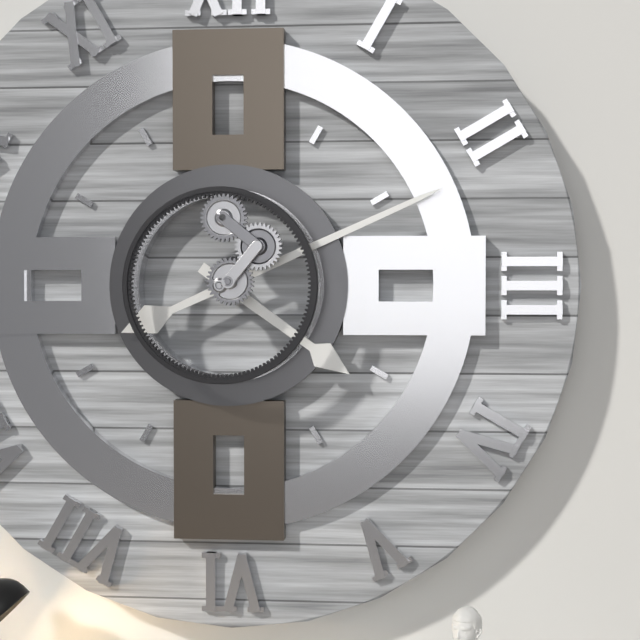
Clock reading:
**4:11**
